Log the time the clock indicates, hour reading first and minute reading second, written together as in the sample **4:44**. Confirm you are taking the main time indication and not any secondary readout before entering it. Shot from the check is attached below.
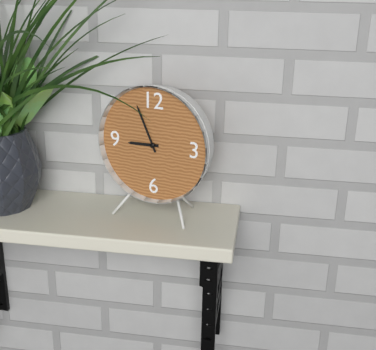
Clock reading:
**8:56**
